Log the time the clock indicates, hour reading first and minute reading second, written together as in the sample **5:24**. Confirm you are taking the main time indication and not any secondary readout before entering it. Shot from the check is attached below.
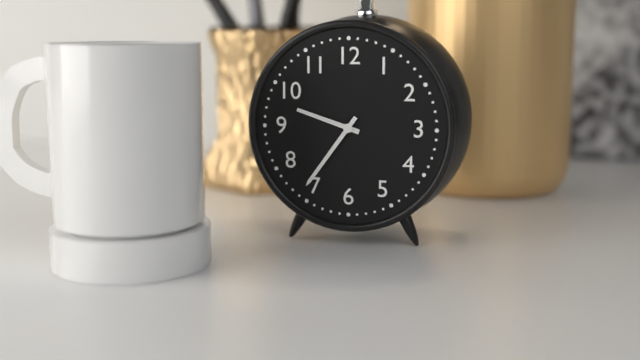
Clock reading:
**9:36**
